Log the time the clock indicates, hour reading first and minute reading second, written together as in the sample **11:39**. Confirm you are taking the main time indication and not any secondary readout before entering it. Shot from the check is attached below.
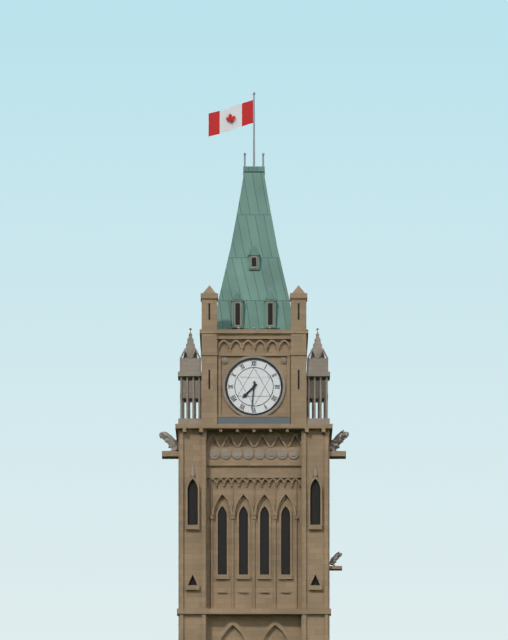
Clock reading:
**7:31**
